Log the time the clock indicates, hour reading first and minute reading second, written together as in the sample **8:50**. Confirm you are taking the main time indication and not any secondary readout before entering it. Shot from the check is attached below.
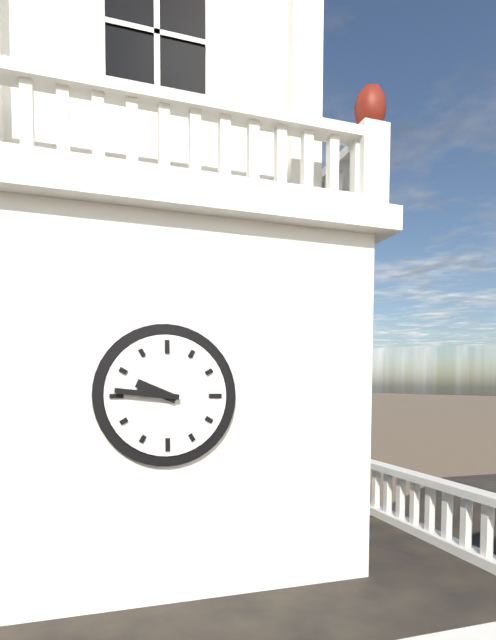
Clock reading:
**9:46**
